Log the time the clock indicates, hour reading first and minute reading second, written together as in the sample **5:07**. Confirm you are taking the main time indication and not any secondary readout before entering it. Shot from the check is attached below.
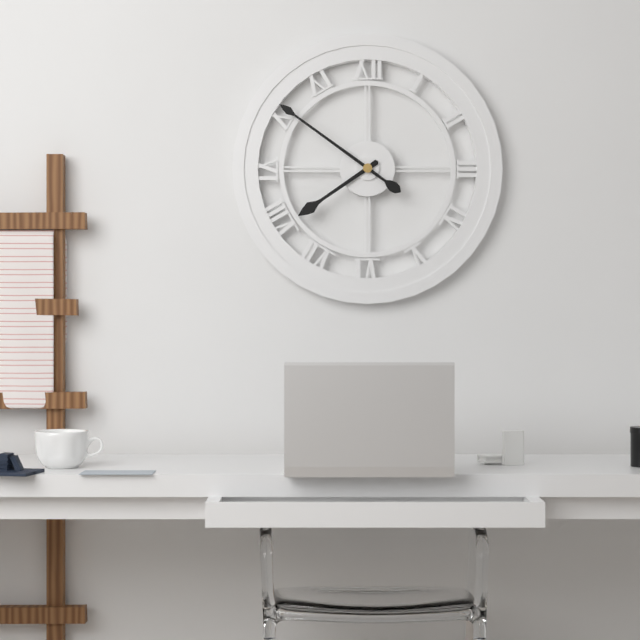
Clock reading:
**7:51**
